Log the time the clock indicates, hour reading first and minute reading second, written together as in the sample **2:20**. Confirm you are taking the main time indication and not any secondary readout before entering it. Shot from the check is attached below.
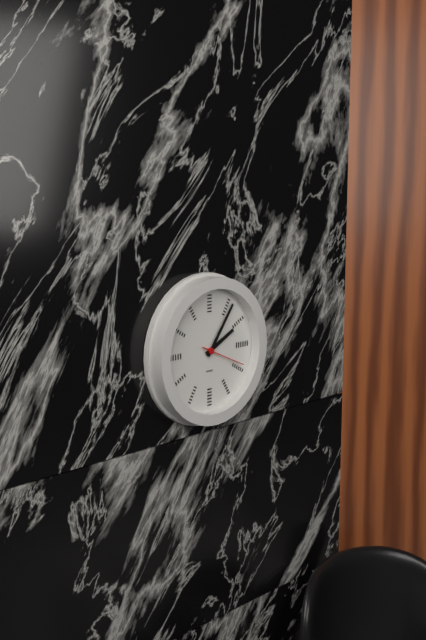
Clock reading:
**2:06**
